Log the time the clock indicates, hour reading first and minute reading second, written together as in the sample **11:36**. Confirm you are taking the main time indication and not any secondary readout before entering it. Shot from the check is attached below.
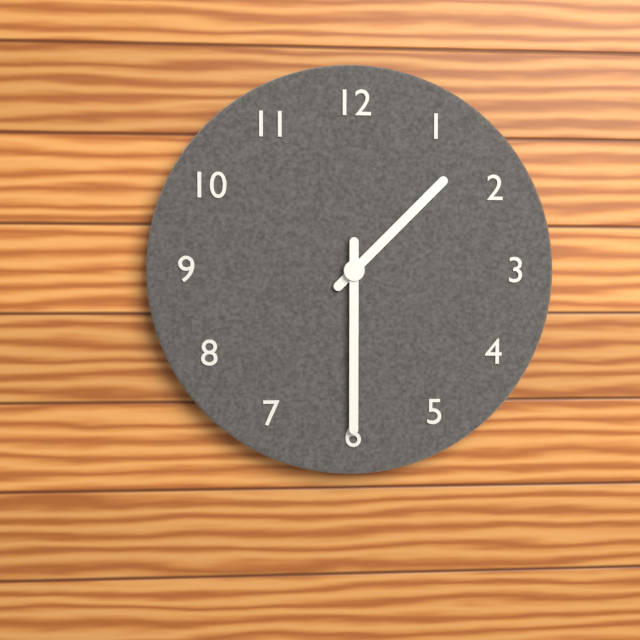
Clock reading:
**1:30**
